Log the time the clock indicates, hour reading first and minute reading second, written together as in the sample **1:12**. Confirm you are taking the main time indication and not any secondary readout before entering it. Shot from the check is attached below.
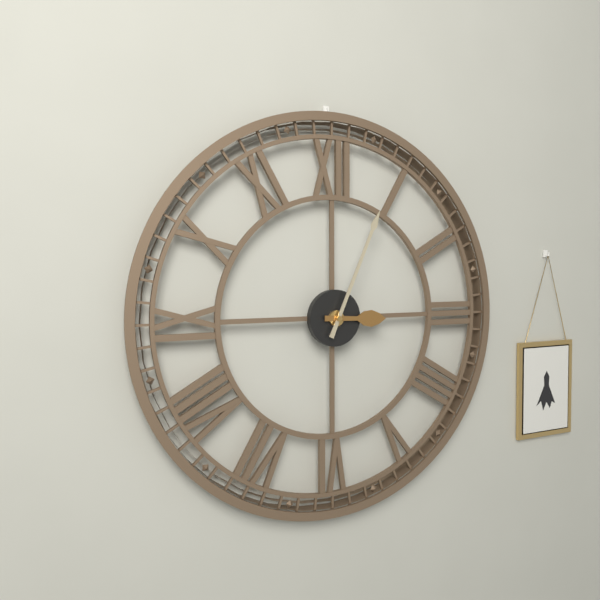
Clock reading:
**3:04**
